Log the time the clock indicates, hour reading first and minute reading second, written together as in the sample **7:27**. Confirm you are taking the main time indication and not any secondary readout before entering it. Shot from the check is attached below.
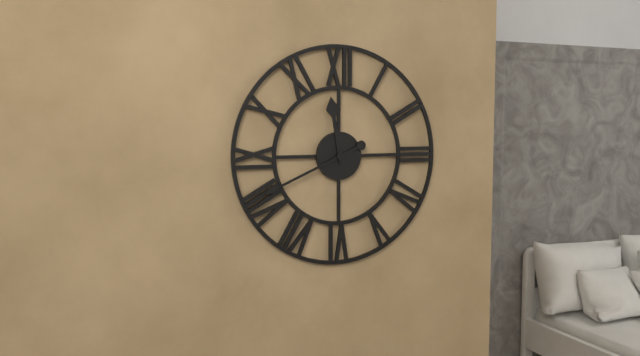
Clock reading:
**11:41**
